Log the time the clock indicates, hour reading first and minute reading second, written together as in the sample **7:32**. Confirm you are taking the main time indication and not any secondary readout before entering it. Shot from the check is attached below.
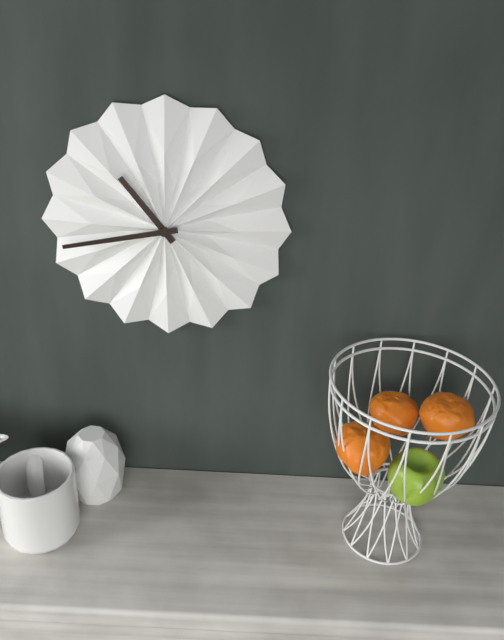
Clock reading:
**10:43**
